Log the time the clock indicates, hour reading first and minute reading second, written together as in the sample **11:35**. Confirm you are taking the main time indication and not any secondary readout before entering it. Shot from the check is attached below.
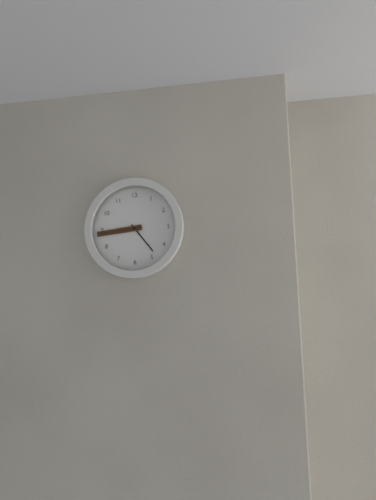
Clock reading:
**4:44**
